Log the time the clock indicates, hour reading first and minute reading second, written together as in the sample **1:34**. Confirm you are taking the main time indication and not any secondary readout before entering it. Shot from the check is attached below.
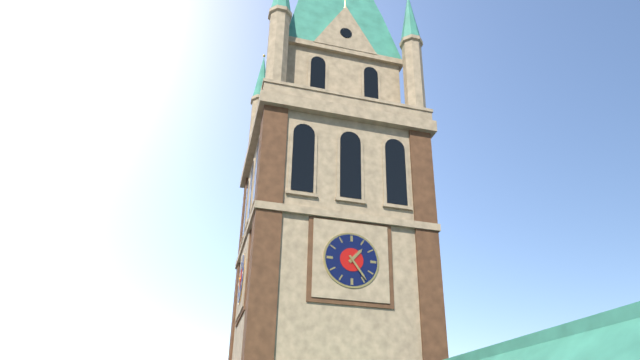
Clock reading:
**1:24**
